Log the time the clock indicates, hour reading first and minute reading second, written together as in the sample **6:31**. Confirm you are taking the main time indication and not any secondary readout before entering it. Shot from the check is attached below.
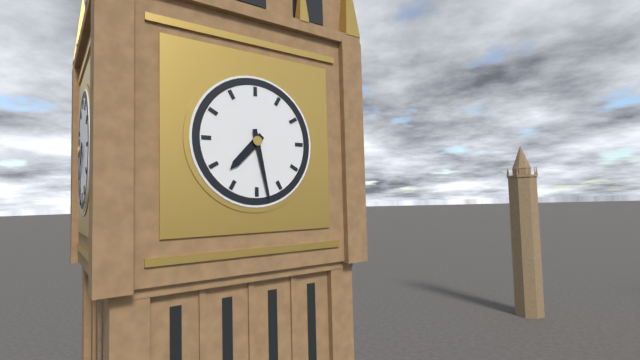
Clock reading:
**7:28**
